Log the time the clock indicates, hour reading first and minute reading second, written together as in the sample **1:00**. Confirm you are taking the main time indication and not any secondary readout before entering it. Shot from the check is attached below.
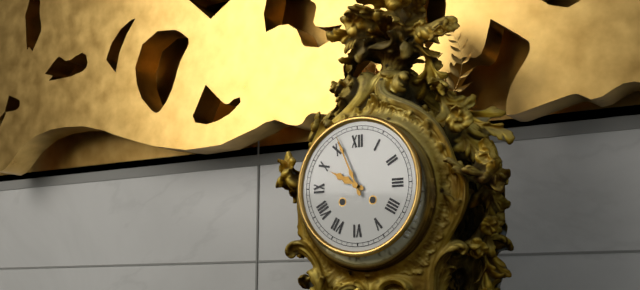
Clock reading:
**9:56**
